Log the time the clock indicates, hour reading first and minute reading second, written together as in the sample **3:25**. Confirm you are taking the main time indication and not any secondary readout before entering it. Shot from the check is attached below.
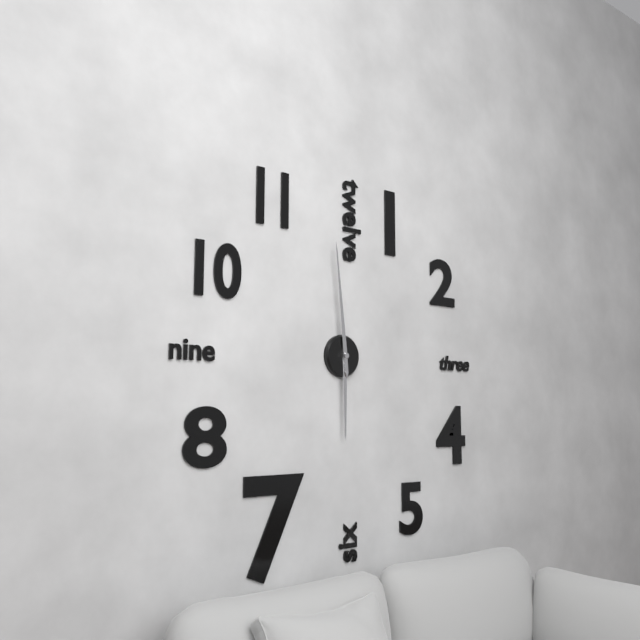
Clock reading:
**5:59**
